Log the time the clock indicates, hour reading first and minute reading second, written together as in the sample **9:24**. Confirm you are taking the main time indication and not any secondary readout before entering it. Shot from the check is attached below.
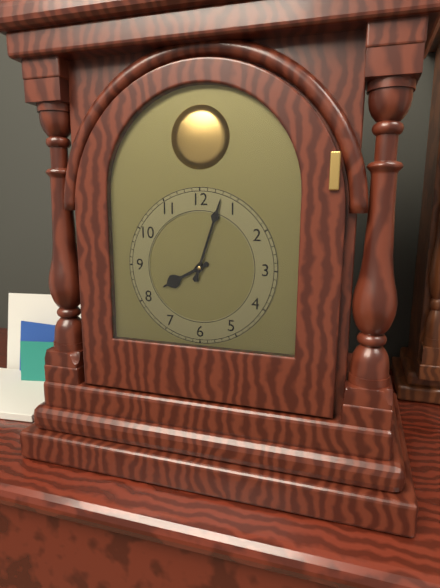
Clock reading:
**8:03**
